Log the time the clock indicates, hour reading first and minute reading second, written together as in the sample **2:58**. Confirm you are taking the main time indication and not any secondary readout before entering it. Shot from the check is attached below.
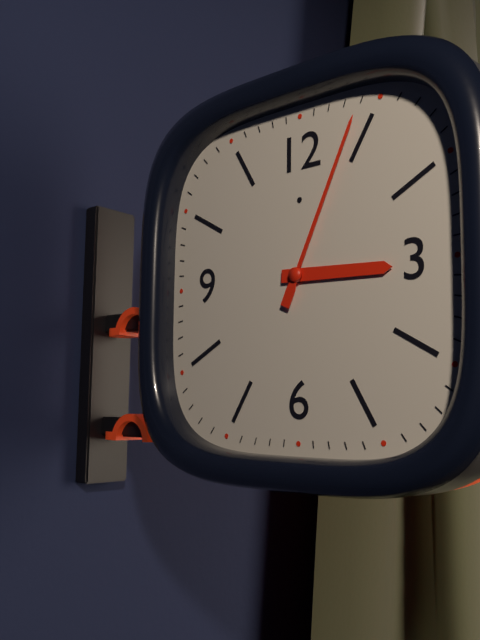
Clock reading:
**3:04**
